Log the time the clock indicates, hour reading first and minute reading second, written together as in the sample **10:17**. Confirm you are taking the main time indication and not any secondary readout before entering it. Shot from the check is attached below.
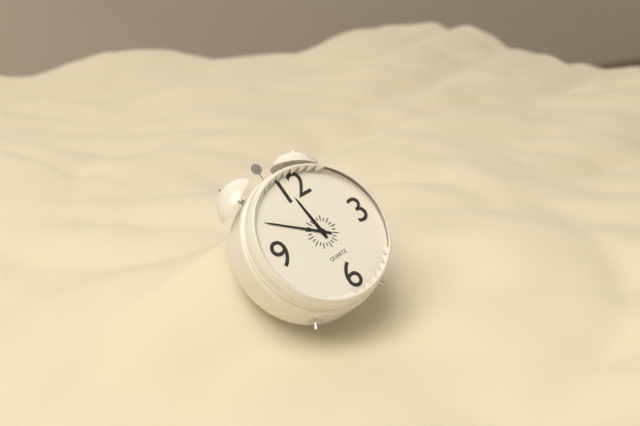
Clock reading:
**11:51**
